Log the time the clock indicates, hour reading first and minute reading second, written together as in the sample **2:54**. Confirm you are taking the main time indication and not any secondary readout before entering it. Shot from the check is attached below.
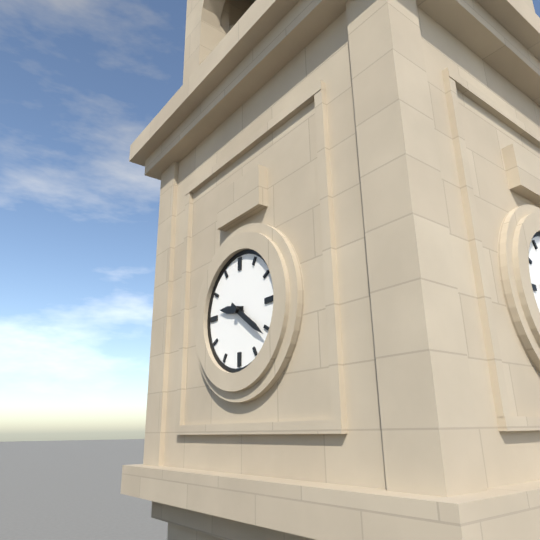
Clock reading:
**9:21**
